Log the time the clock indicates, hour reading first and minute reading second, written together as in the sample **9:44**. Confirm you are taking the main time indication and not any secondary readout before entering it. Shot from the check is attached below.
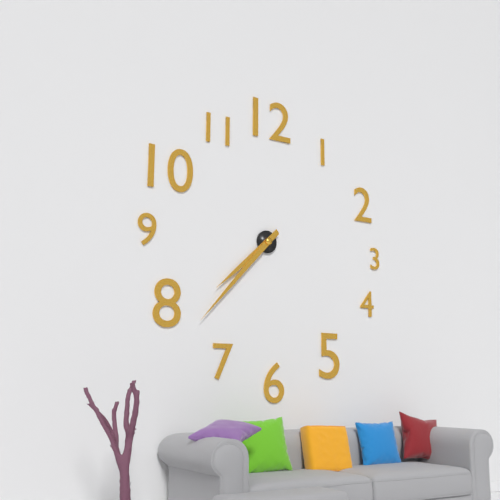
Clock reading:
**7:37**
